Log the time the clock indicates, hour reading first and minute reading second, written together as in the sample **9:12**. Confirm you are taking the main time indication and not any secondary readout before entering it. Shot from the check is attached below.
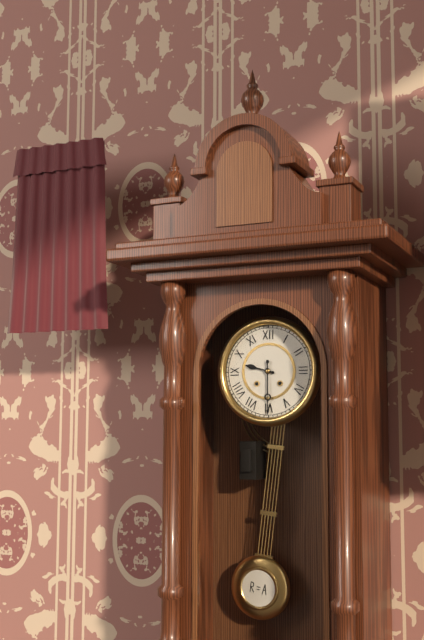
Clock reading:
**9:30**
